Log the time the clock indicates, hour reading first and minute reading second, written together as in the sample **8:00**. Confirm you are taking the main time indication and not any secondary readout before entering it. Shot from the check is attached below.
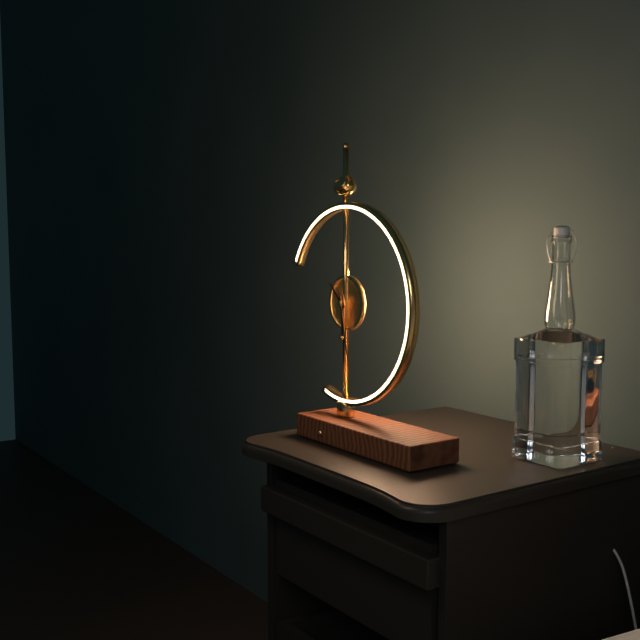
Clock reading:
**10:28**
